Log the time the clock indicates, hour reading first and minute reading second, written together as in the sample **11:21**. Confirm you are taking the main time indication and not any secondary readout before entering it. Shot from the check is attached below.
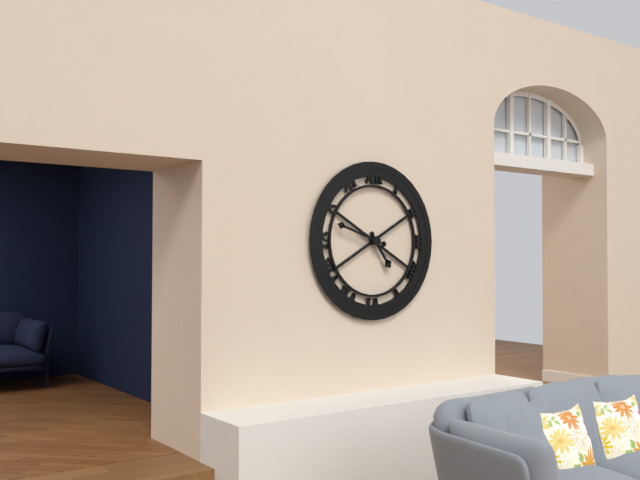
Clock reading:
**4:48**
